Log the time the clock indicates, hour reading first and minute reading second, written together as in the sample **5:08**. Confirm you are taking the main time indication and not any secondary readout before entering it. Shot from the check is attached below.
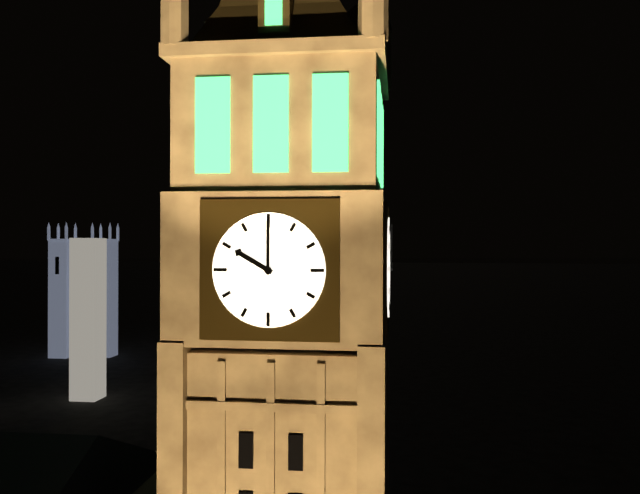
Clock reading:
**10:00**
